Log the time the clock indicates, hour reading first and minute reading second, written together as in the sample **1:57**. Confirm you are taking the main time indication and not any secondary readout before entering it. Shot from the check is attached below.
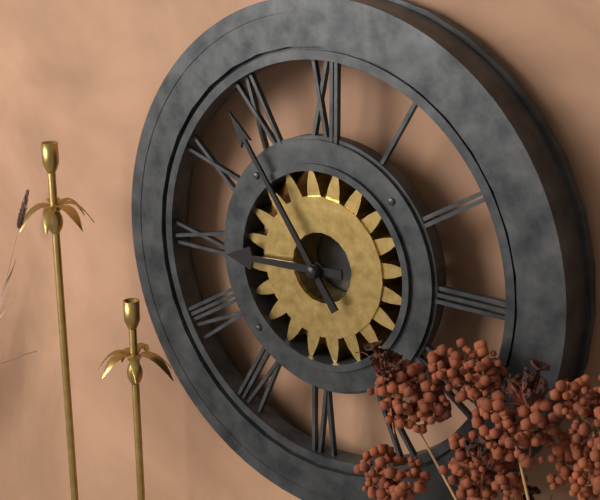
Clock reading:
**8:54**
